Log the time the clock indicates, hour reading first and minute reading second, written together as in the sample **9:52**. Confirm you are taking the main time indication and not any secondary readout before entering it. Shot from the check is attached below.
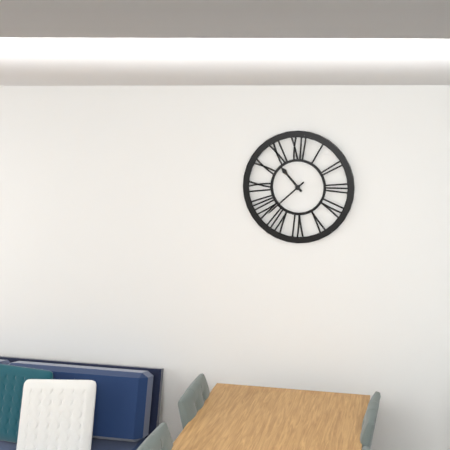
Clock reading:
**10:38**
